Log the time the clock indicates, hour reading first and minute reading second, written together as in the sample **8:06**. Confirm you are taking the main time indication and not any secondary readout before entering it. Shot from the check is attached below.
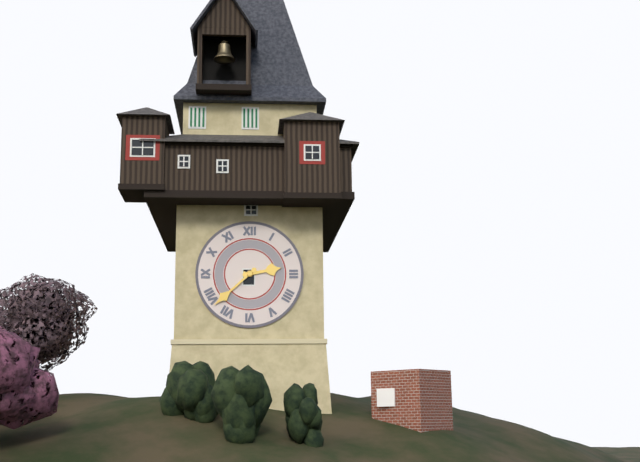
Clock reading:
**2:38**
